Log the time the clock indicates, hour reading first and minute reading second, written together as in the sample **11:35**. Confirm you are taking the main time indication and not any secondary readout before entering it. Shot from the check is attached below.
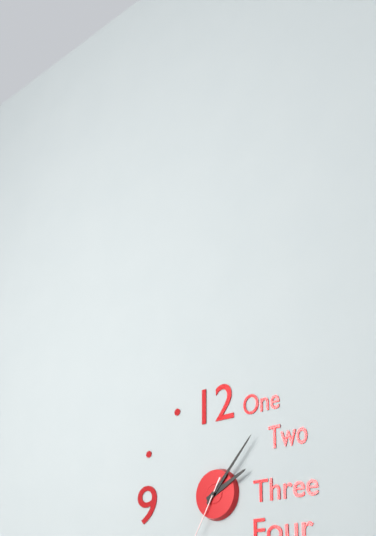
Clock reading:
**2:07**
